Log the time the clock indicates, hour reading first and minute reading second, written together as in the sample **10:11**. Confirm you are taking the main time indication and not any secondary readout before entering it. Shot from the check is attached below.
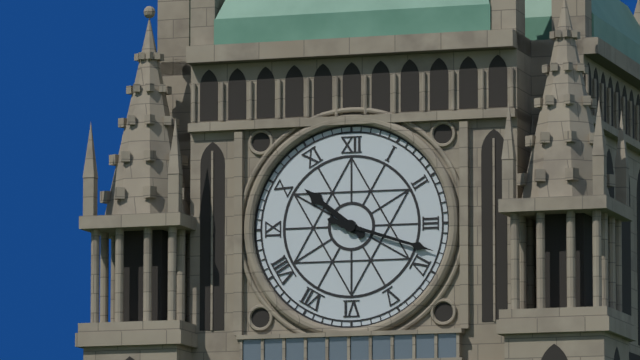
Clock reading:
**10:18**
